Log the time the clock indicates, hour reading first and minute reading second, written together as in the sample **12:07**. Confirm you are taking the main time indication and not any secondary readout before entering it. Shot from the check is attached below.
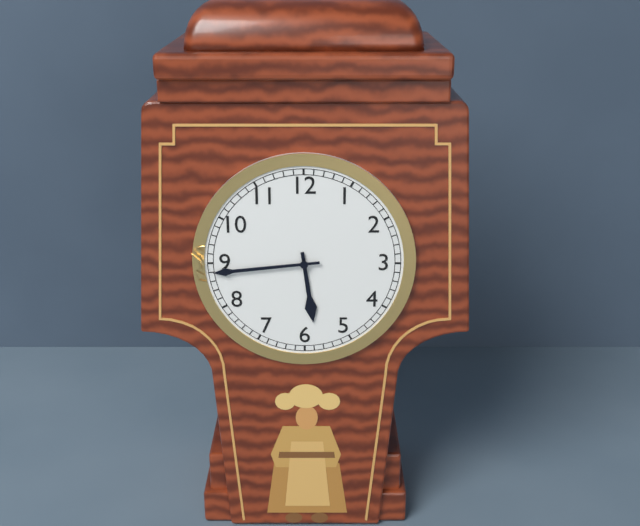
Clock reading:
**5:44**
